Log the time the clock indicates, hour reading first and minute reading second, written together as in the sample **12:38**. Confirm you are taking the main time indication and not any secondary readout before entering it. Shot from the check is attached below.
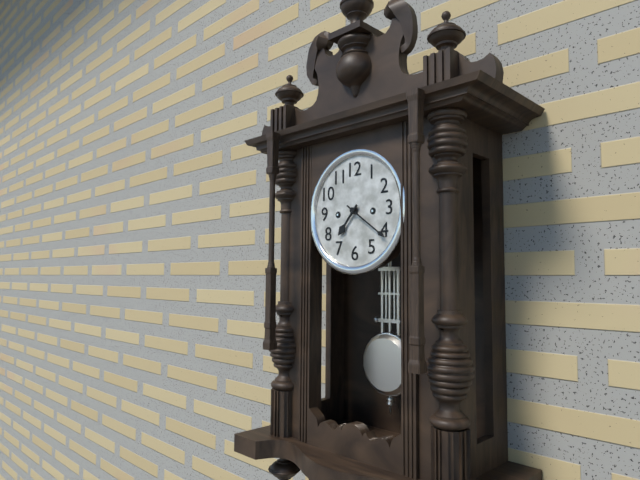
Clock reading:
**7:21**
